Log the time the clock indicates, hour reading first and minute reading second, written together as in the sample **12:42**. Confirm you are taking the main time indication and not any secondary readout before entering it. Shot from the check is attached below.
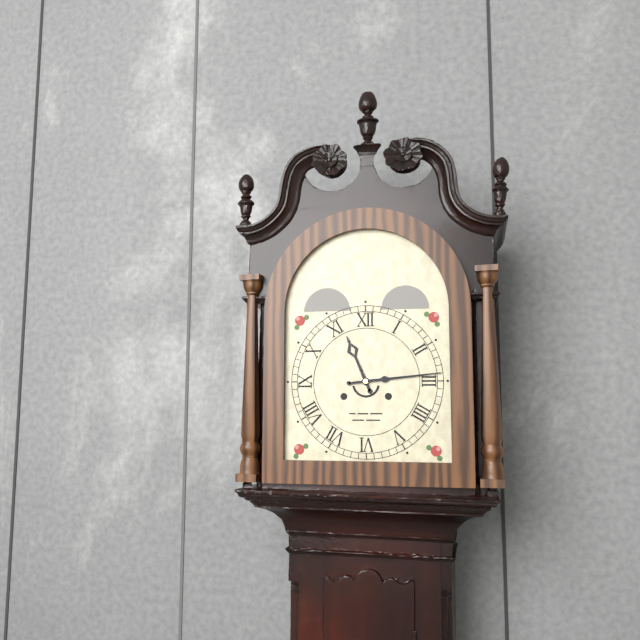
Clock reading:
**11:14**
